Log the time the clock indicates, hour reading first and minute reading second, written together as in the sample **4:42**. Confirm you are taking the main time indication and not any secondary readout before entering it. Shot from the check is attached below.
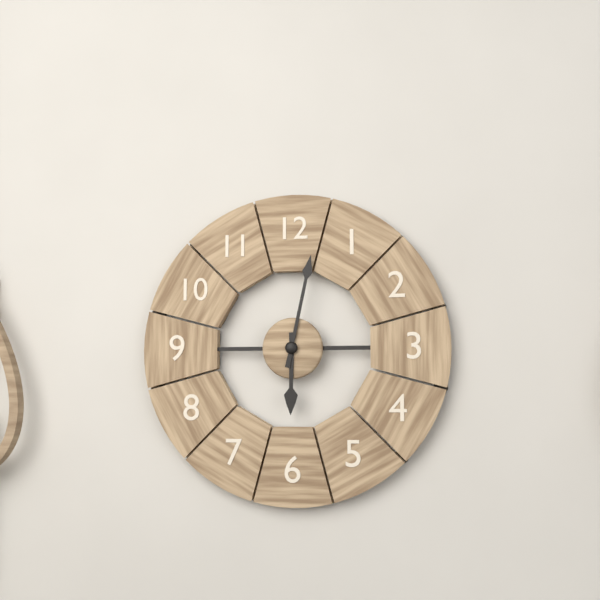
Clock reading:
**6:02**
